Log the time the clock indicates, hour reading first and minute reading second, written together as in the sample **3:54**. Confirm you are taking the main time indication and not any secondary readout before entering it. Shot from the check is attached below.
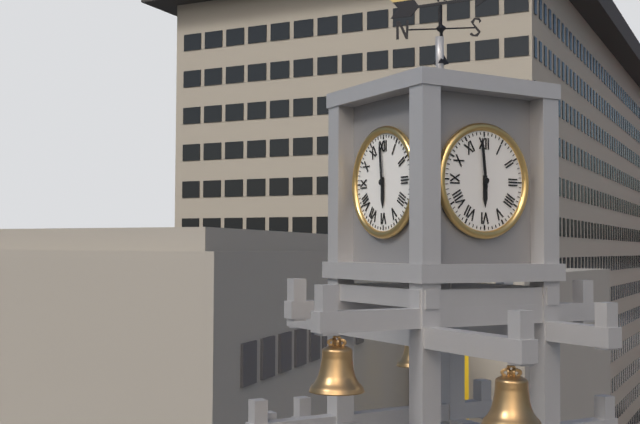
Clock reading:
**5:59**
